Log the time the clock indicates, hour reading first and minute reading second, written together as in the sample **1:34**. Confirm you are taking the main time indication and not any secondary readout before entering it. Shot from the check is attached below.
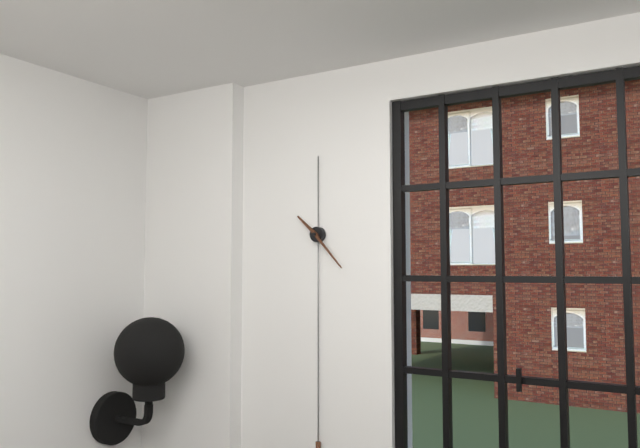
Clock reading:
**10:23**
